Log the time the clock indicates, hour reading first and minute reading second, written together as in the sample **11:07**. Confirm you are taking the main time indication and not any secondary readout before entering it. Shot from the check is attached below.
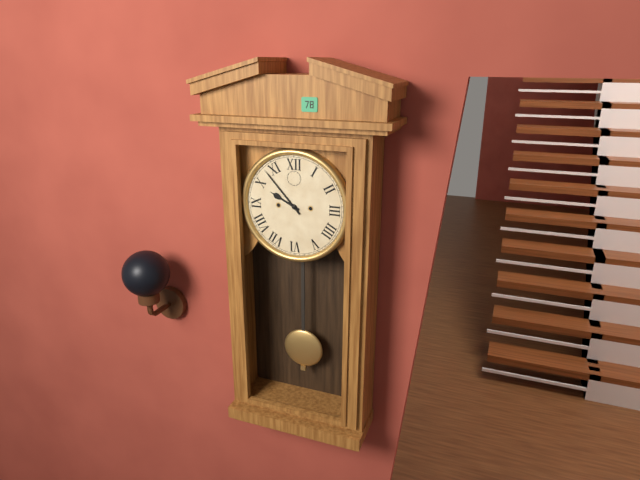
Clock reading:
**9:53**
